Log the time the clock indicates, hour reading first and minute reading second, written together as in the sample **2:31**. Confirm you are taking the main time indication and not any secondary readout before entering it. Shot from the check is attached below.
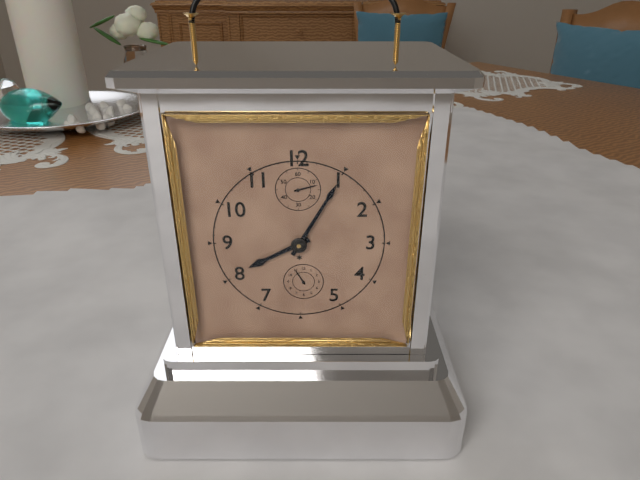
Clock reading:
**8:05**
